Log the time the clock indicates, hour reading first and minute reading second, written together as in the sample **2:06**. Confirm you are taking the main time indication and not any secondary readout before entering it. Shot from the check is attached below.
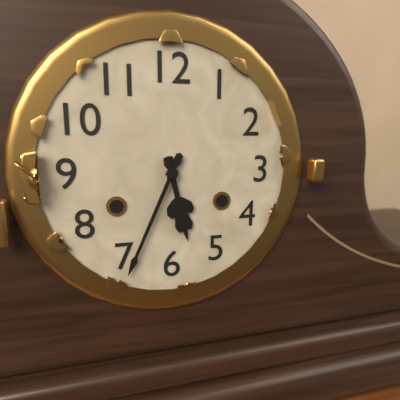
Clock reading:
**5:34**
